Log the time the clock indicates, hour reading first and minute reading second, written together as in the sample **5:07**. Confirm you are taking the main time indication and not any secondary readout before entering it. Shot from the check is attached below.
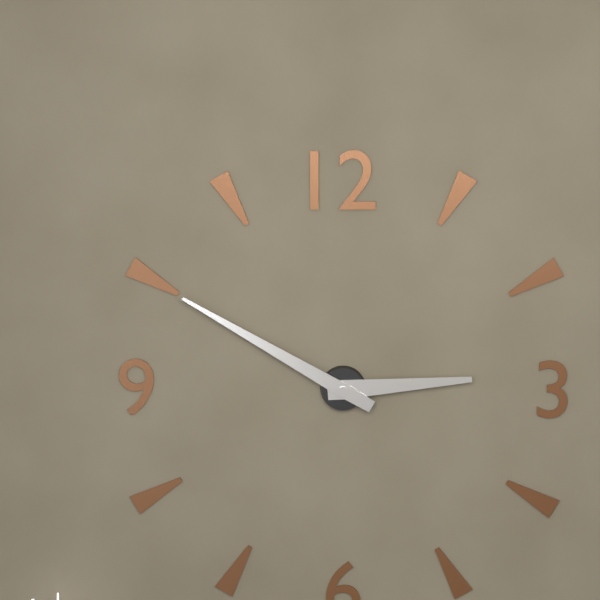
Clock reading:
**2:50**
